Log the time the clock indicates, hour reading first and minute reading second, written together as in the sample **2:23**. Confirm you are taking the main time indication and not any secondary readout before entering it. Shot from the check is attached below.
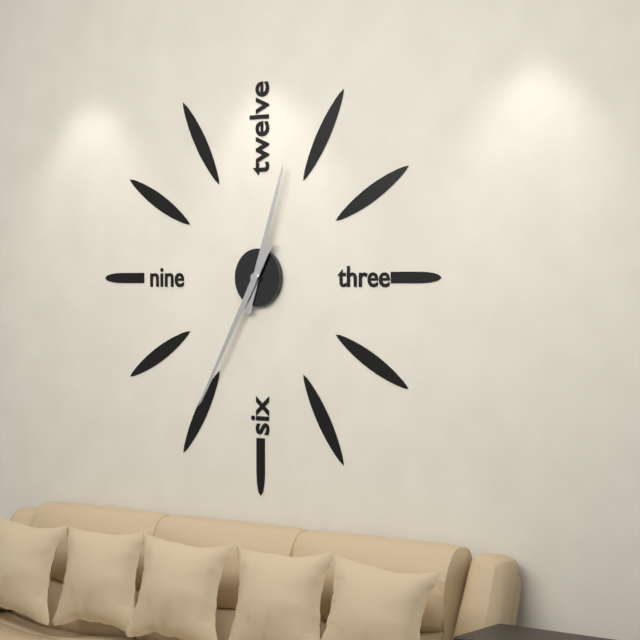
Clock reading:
**12:35**
